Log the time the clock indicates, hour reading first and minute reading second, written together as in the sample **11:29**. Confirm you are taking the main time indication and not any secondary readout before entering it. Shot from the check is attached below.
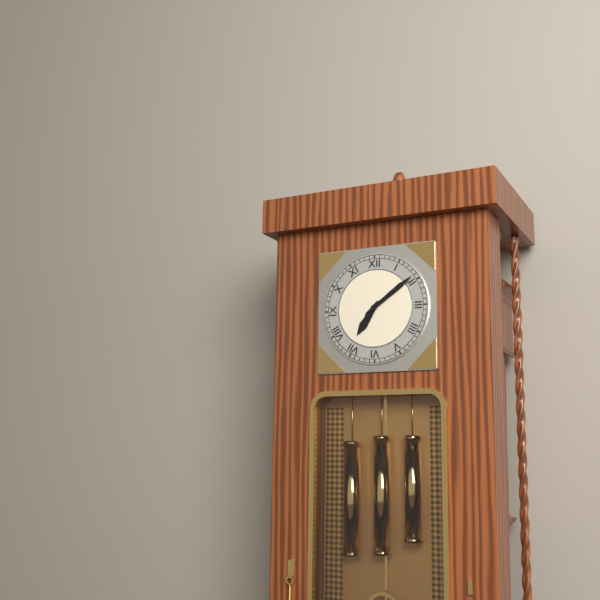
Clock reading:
**7:09**
